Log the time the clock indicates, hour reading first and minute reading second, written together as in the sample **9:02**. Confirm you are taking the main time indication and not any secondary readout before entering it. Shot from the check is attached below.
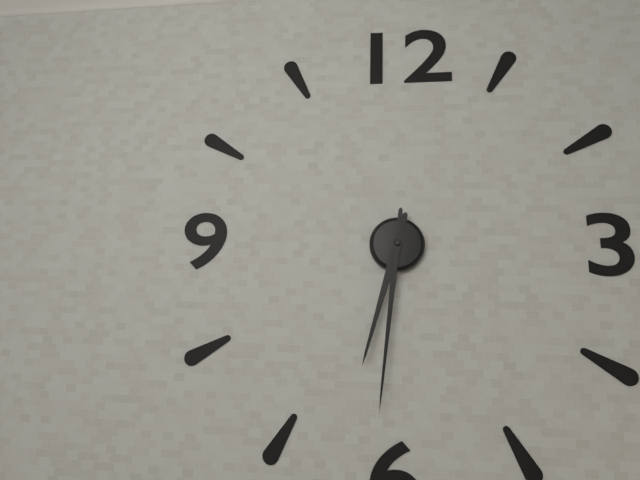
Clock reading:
**6:31**
